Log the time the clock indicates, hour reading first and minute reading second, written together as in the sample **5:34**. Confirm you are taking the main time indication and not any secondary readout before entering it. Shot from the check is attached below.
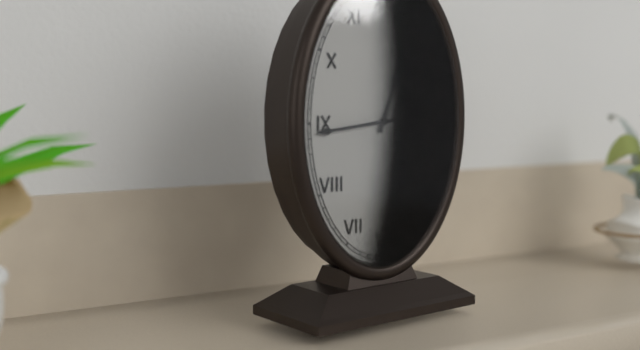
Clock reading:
**12:44**
